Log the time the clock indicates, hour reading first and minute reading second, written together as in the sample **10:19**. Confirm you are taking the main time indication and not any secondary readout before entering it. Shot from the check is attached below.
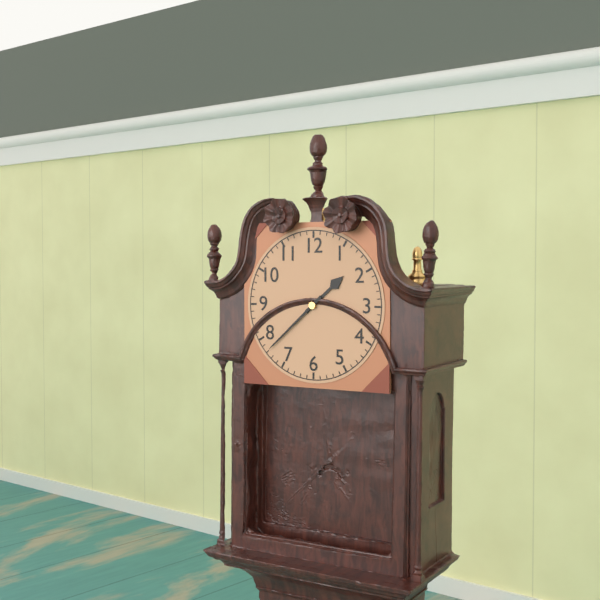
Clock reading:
**1:38**
